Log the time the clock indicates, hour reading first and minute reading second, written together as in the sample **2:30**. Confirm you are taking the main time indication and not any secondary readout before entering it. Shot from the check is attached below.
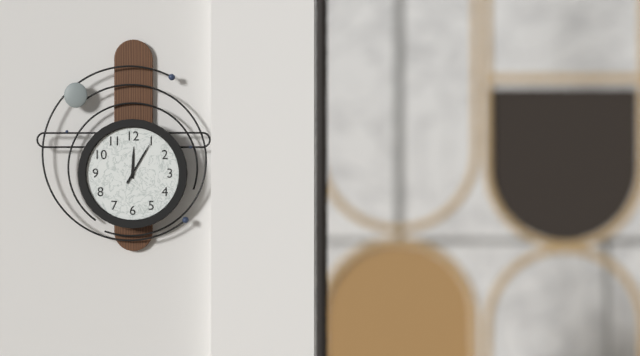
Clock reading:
**12:05**
